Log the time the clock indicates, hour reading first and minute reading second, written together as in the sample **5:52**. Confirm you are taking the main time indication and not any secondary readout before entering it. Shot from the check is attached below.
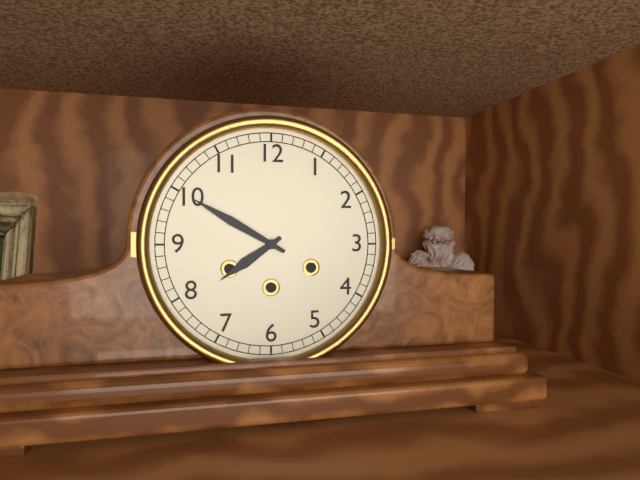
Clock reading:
**7:50**
